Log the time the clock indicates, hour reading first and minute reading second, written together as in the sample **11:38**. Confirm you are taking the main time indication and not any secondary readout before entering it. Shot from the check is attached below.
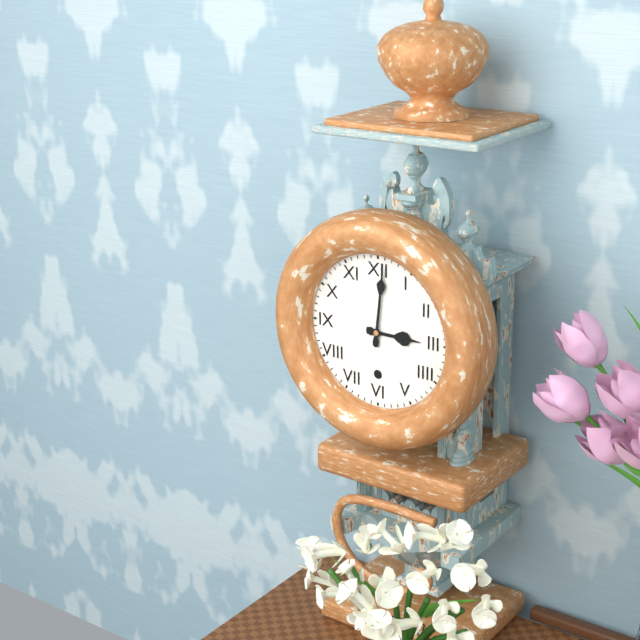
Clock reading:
**3:01**
